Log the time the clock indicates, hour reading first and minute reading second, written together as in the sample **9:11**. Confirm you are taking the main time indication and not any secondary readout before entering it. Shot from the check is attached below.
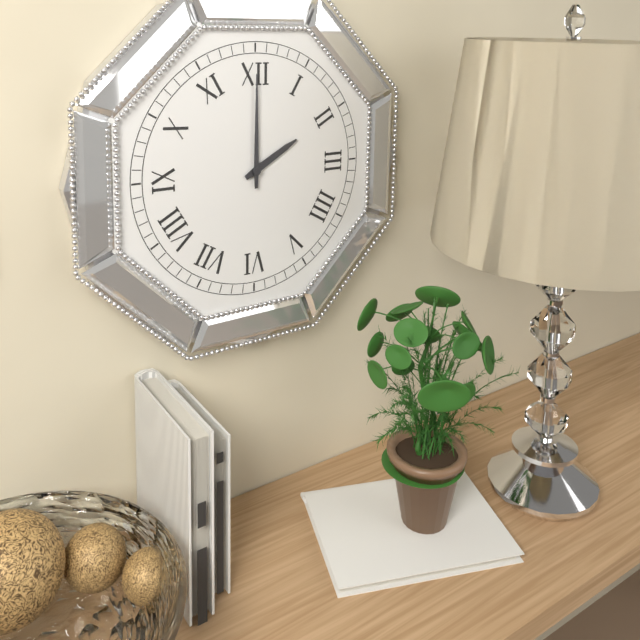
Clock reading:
**2:00**
